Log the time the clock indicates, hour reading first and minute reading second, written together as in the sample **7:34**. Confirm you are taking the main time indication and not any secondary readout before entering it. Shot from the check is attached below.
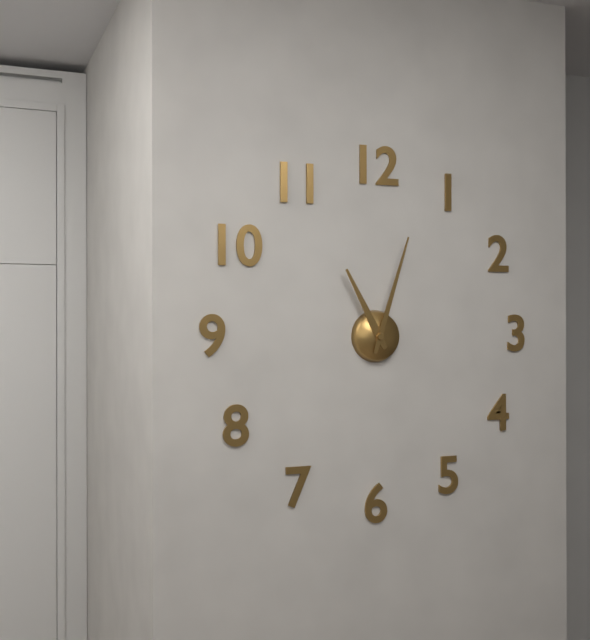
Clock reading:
**11:03**
